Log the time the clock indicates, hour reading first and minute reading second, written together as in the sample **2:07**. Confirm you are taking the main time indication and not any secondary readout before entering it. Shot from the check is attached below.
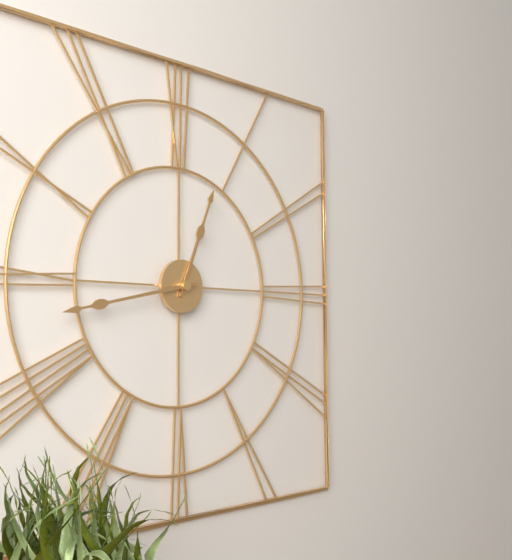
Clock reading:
**12:43**
